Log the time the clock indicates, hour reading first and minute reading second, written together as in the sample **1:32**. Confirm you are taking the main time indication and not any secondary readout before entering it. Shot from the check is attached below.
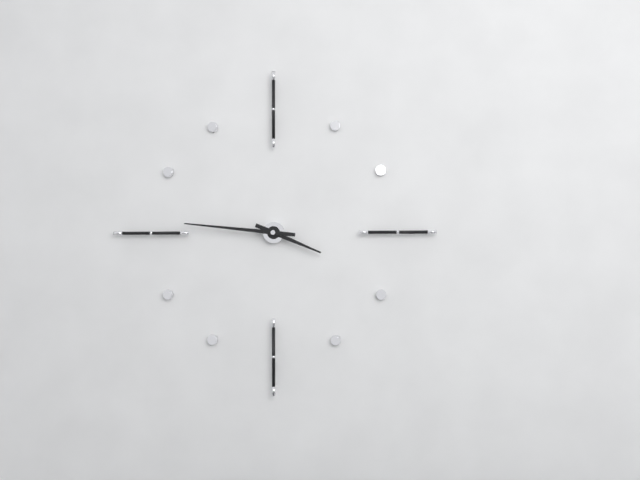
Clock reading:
**3:46**
